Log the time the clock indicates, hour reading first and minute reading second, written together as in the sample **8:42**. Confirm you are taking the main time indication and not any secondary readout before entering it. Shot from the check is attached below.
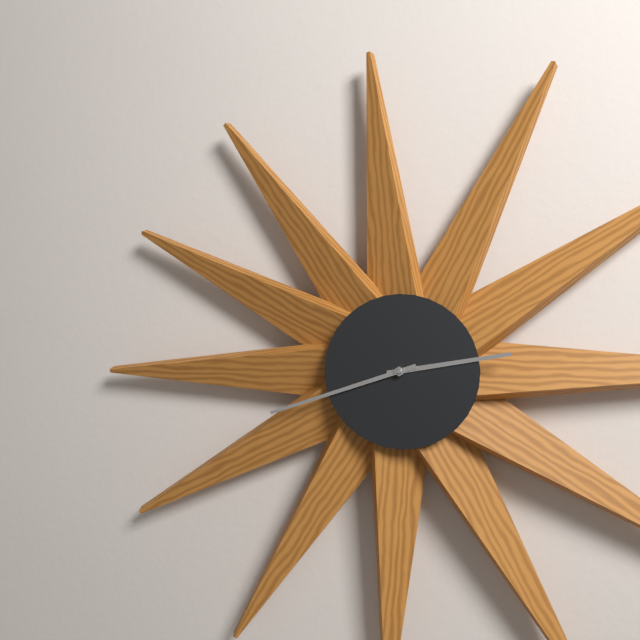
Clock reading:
**2:42**
